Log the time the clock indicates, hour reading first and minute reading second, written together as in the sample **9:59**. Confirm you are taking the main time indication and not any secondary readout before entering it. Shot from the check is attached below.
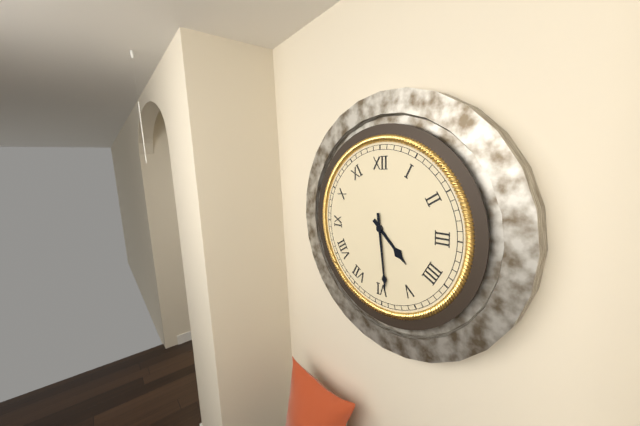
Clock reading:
**4:29**
